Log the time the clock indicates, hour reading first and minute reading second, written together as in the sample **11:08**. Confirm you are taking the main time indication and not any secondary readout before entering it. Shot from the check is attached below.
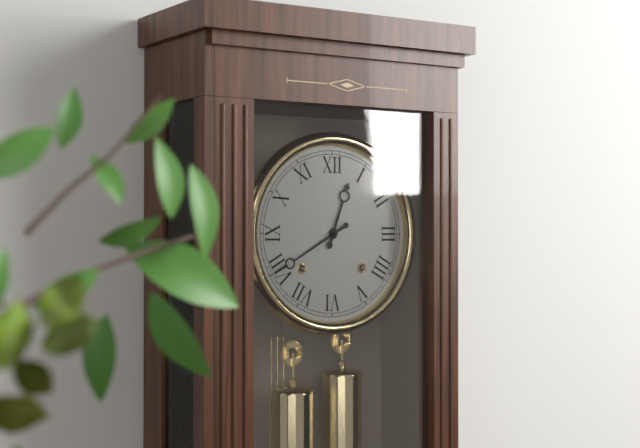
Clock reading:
**12:40**
